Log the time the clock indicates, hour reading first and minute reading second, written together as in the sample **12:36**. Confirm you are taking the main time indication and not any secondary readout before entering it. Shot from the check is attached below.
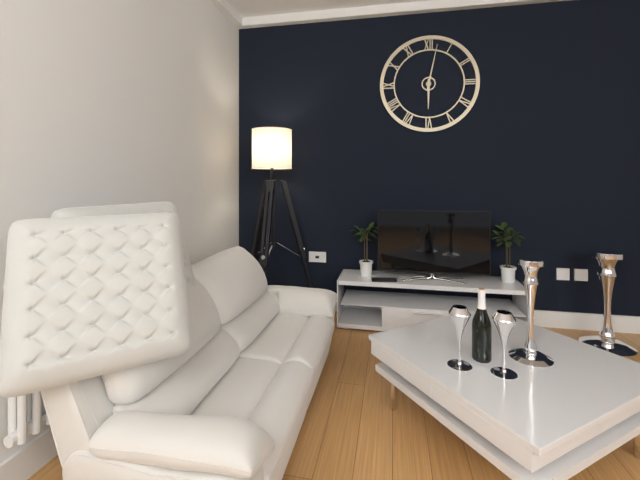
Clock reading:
**6:02**
